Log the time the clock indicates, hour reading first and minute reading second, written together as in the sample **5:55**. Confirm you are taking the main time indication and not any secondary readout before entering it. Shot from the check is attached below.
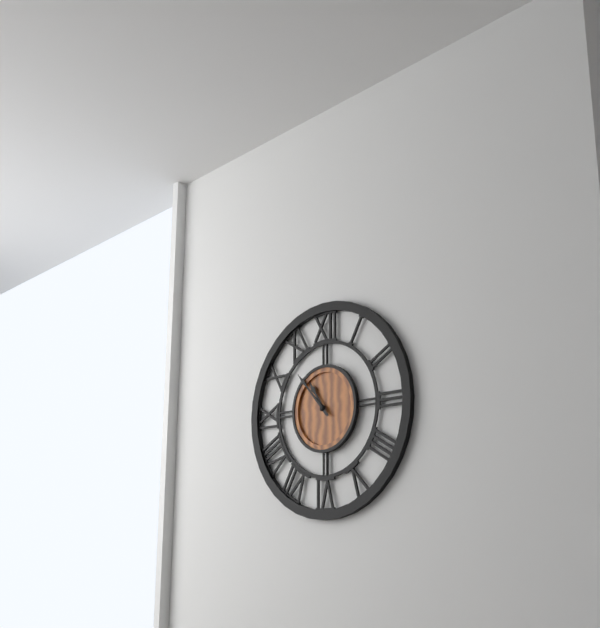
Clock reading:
**10:53**
